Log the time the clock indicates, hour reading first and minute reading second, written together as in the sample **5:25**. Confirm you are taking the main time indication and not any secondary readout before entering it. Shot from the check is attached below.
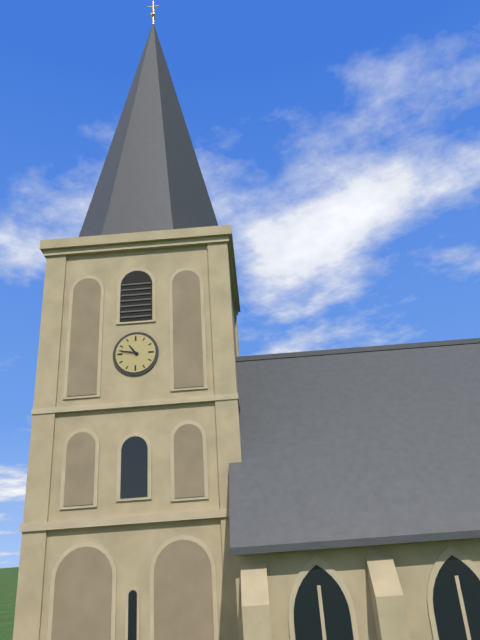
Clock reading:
**10:47**
